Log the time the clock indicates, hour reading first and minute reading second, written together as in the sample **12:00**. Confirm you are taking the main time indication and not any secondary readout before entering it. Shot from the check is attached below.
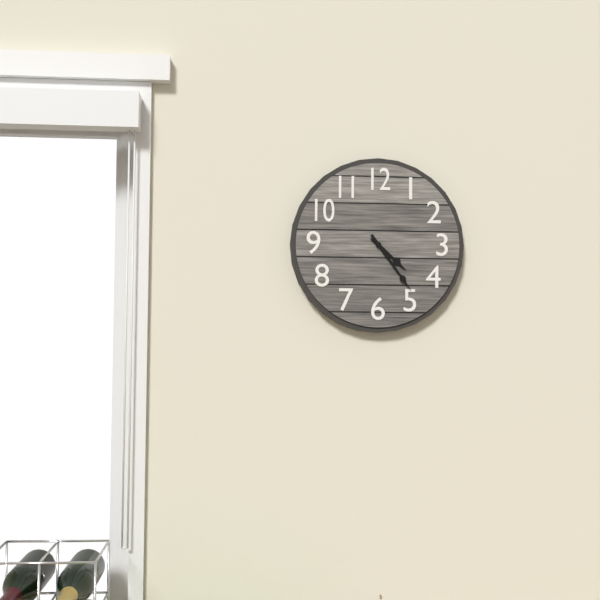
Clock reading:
**4:24**
